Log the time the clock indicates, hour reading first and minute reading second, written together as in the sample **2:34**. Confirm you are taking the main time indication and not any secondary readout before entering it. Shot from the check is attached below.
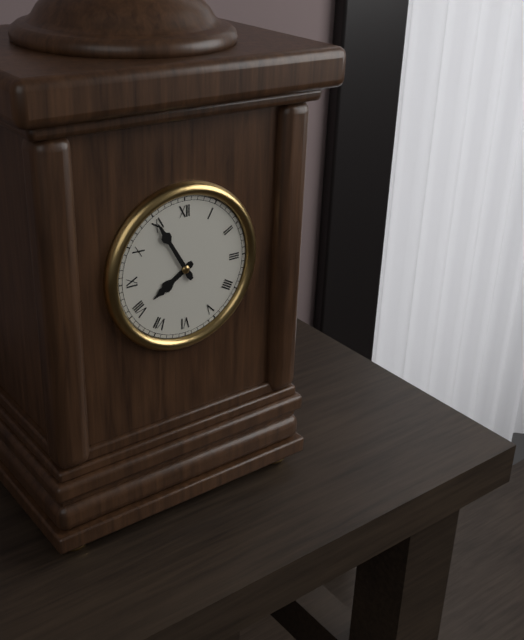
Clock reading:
**7:55**
